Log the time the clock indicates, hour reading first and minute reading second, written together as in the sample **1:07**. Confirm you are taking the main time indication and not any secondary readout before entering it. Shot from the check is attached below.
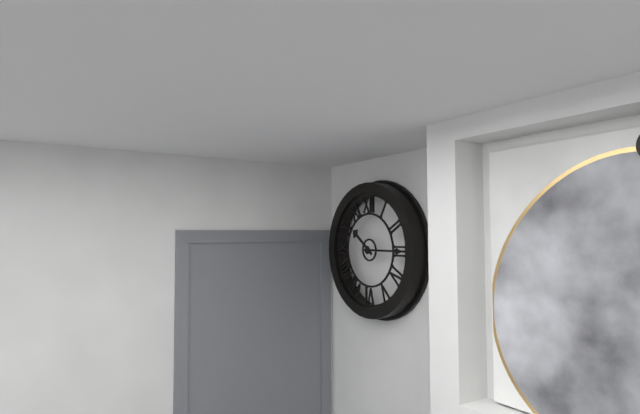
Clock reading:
**10:15**
